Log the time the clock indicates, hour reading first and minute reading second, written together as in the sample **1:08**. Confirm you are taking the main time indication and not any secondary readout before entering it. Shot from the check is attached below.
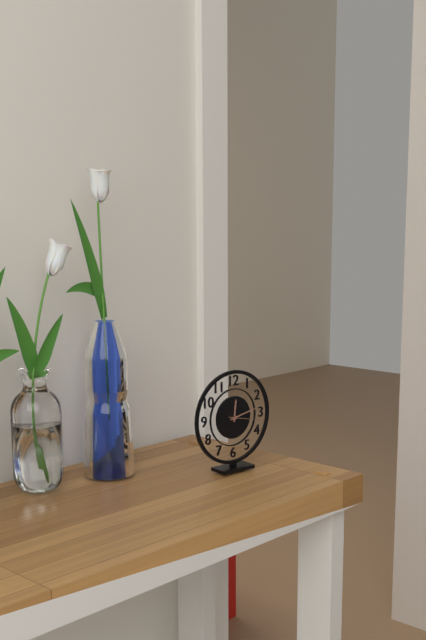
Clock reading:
**12:13**
